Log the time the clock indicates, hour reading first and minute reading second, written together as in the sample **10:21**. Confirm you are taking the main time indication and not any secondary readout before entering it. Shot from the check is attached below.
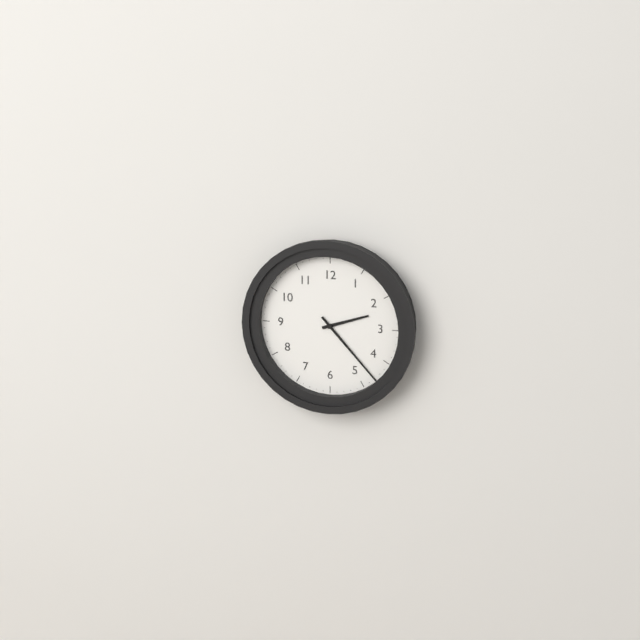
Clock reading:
**2:23**
